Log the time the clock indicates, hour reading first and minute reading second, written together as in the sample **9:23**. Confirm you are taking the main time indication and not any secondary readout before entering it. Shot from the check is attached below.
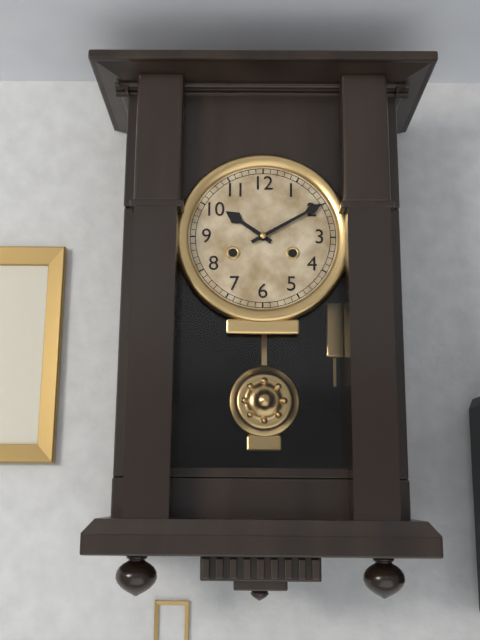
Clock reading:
**10:10**
